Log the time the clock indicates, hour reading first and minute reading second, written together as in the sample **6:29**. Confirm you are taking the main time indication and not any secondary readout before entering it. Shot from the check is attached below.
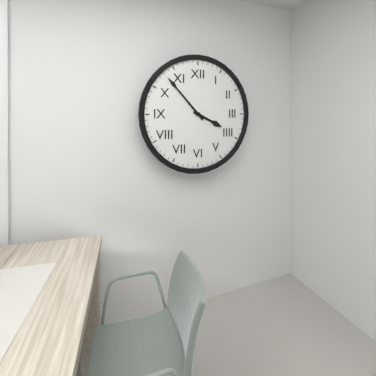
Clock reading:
**3:53**
